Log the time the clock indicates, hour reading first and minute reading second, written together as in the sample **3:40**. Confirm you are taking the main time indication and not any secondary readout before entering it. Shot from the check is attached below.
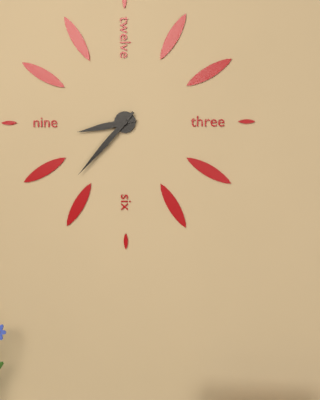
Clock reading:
**8:37**
